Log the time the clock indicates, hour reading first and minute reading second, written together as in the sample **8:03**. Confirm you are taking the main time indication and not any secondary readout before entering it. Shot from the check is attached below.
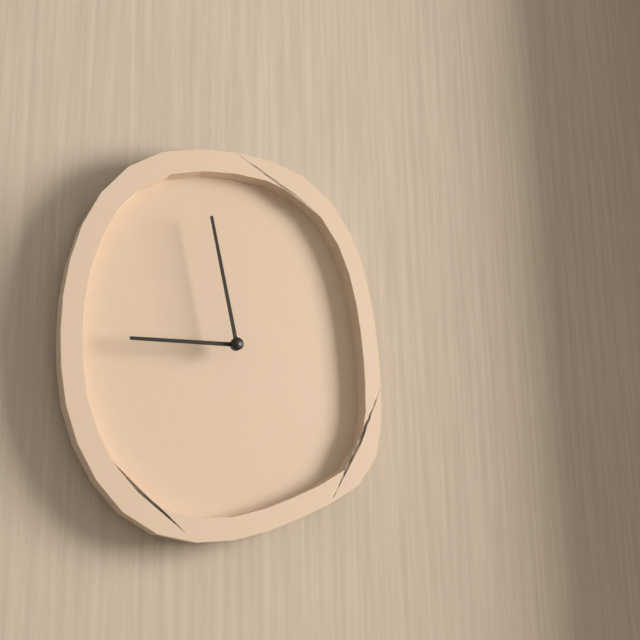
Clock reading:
**8:58**
